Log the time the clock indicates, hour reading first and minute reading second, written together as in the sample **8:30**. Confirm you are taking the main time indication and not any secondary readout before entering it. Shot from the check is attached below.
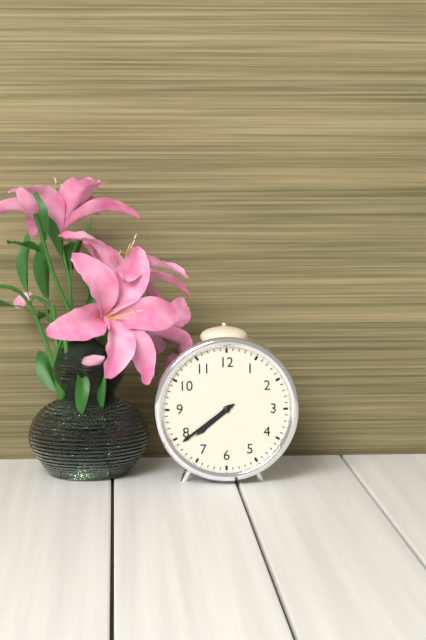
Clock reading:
**7:39**
